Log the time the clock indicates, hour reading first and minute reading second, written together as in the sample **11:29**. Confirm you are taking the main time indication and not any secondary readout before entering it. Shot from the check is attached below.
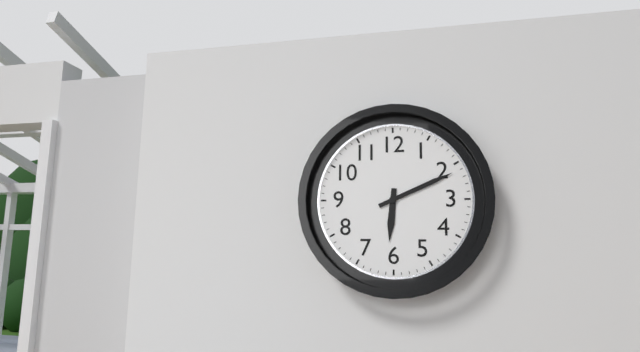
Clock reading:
**6:11**
